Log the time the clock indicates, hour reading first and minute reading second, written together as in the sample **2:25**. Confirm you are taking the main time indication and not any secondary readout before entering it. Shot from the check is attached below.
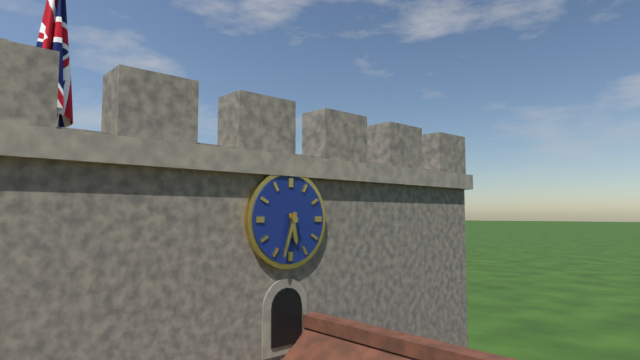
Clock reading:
**5:33**
